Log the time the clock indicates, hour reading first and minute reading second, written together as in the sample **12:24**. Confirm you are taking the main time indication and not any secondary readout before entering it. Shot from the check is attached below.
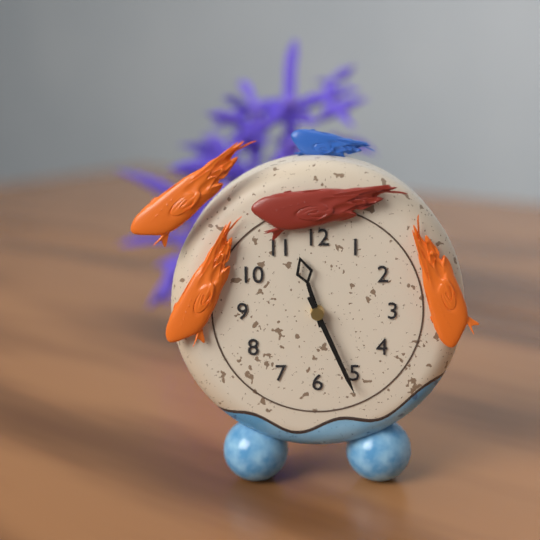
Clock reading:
**11:26**
